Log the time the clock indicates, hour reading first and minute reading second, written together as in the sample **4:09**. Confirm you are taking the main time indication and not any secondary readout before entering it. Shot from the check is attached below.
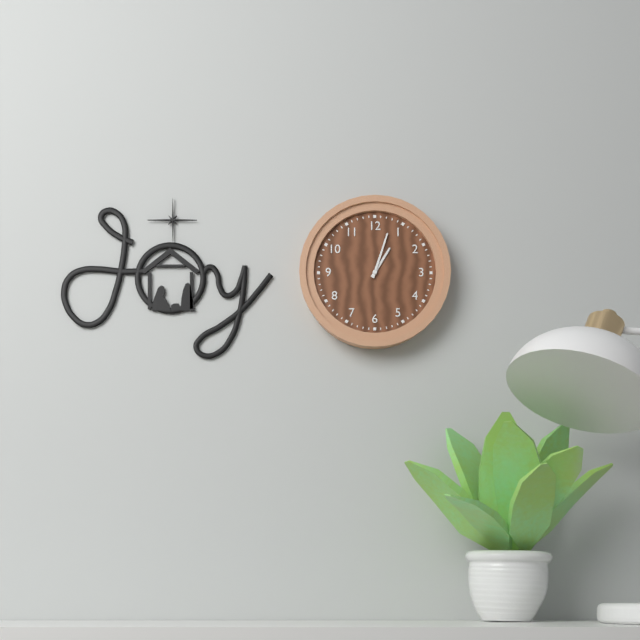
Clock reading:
**1:03**
